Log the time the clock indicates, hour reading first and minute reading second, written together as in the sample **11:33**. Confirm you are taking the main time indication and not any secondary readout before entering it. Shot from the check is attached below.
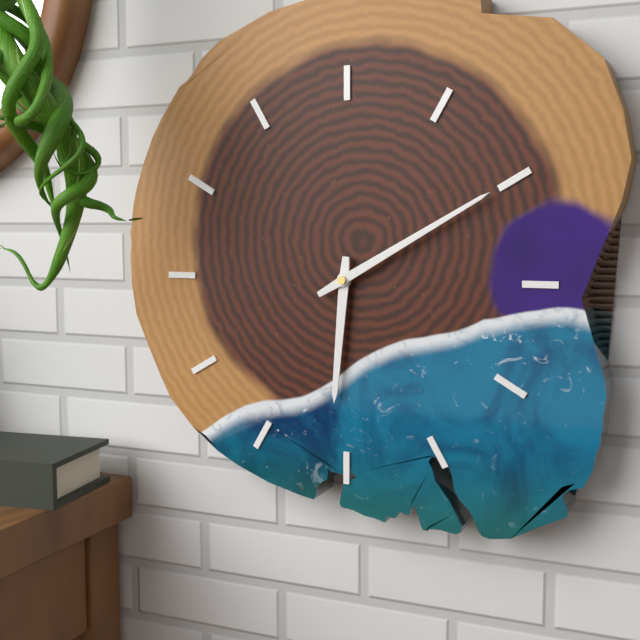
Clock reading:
**6:10**
